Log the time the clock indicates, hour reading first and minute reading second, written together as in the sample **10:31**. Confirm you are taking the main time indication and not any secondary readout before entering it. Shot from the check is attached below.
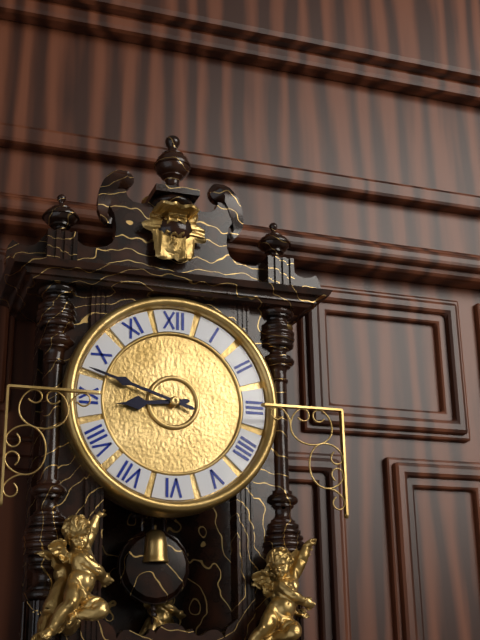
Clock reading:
**8:48**
